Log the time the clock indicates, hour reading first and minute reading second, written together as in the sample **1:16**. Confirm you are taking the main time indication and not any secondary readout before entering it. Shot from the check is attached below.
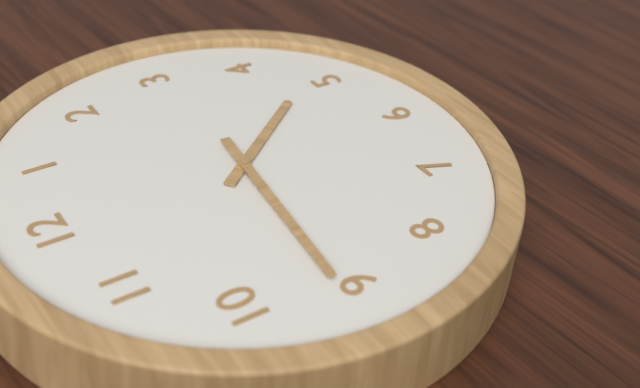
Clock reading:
**4:46**
